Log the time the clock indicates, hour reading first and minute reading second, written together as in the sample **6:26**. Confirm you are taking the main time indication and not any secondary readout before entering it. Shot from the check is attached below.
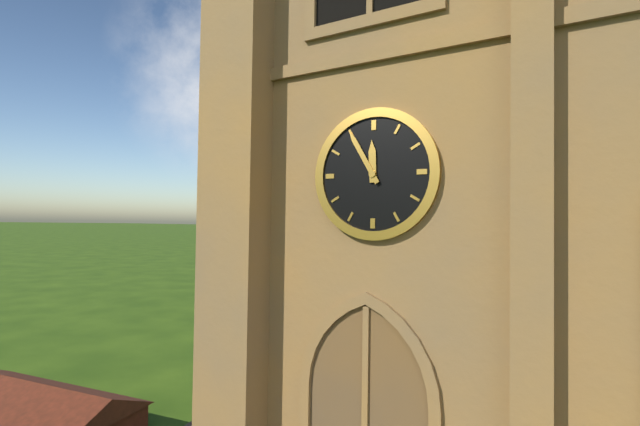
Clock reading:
**11:55**
